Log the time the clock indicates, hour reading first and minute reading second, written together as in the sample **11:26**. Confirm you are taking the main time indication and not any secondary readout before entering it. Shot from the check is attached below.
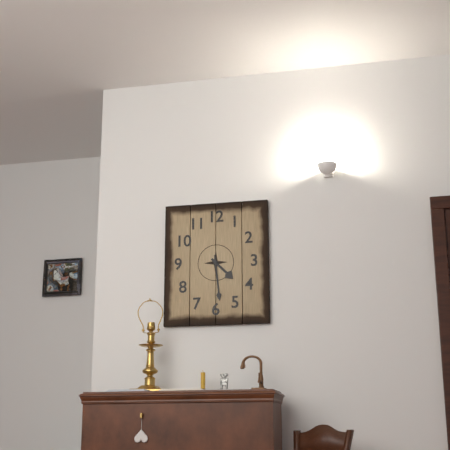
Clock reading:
**4:29**
